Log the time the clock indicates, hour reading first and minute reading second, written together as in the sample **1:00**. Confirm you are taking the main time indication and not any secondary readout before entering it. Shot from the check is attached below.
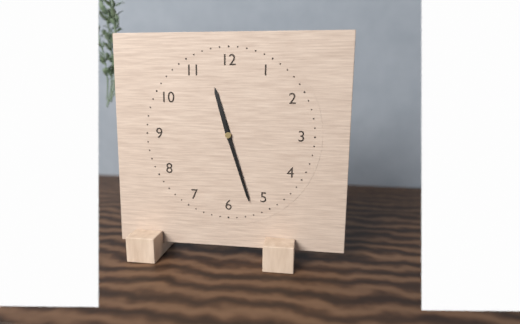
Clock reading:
**11:27**
